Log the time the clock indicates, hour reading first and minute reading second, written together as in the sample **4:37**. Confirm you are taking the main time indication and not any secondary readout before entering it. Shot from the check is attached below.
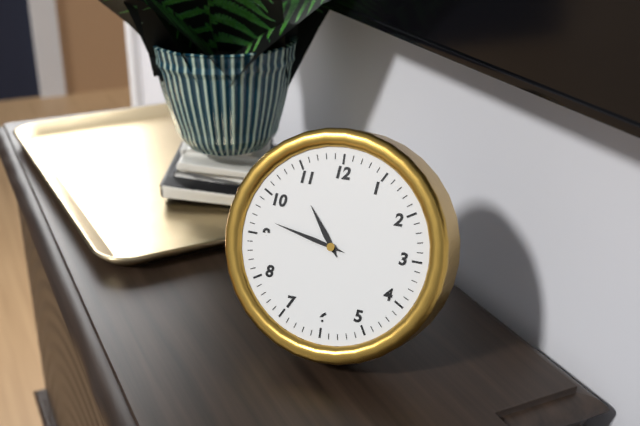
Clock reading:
**10:47**
